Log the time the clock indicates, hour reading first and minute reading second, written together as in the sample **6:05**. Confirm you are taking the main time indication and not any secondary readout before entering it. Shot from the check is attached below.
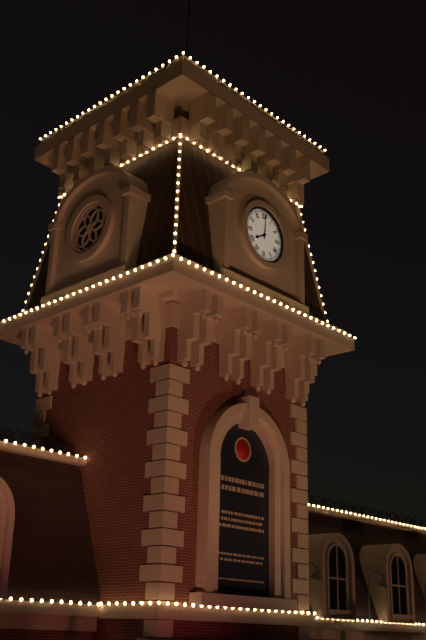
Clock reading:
**8:01**
